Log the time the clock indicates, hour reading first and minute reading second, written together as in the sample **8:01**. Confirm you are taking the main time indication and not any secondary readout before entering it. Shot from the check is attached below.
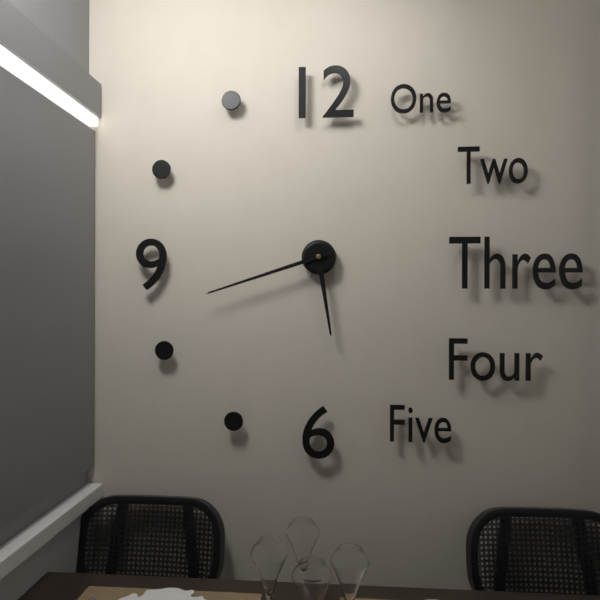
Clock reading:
**5:42**
